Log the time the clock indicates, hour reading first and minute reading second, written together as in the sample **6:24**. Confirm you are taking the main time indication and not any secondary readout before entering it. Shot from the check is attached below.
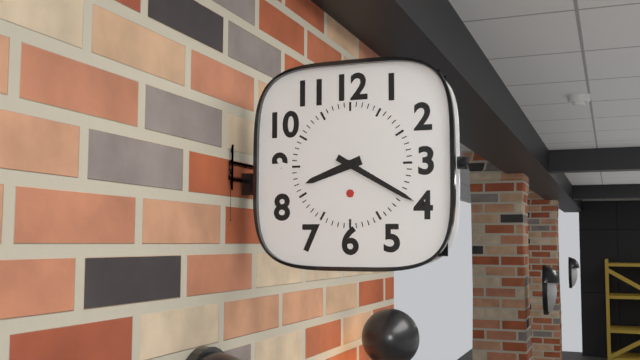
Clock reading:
**8:20**
